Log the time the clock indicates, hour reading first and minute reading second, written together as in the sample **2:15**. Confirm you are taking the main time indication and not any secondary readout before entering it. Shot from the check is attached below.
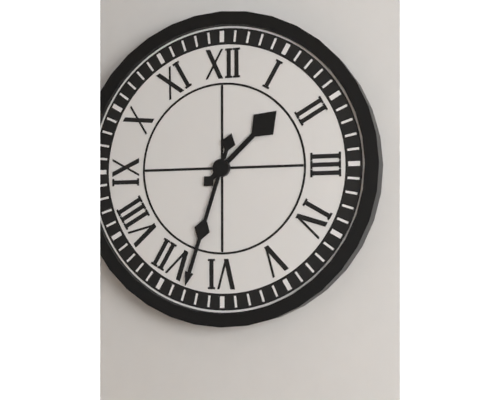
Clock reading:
**1:33**
